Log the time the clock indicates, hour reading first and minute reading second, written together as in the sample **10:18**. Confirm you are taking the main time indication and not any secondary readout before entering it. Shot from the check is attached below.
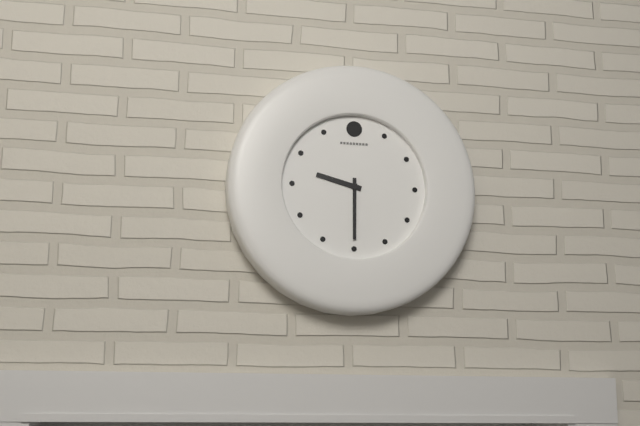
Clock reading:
**9:30**
